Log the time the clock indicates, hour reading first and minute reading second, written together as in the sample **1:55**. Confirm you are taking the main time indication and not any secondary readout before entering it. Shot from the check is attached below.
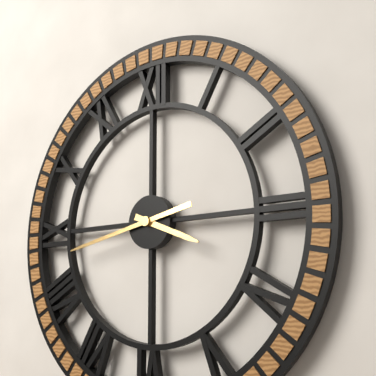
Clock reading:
**3:43**
